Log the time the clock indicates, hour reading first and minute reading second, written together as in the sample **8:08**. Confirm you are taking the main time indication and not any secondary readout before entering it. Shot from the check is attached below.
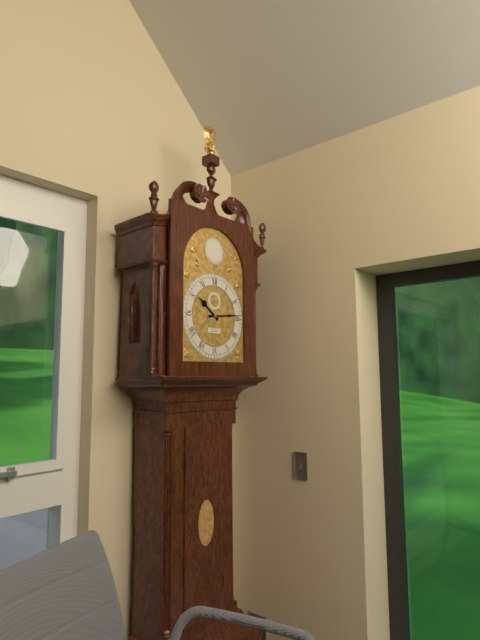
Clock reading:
**10:14**
